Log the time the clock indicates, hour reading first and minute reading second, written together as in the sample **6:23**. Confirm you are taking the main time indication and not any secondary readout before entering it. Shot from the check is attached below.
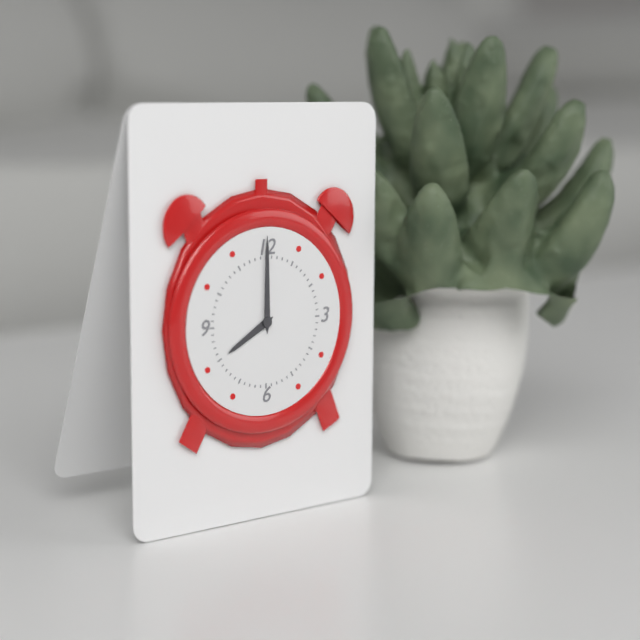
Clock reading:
**8:00**
